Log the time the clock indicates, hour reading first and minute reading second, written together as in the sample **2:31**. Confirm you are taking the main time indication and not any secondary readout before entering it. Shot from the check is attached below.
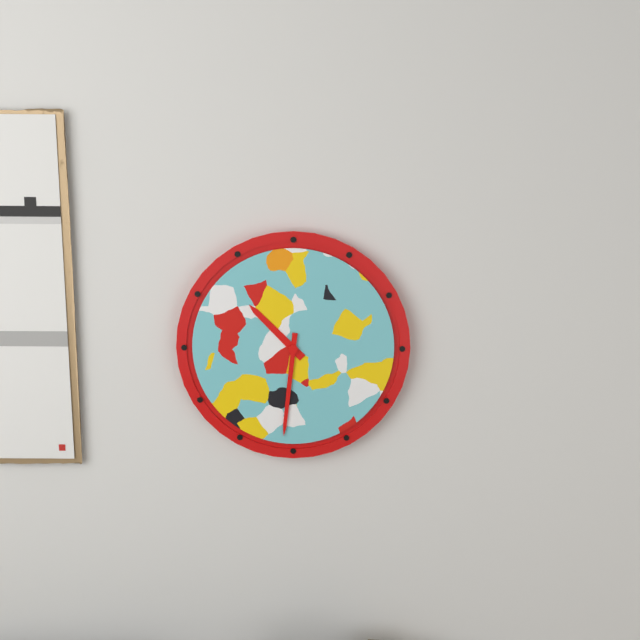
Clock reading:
**10:31**
